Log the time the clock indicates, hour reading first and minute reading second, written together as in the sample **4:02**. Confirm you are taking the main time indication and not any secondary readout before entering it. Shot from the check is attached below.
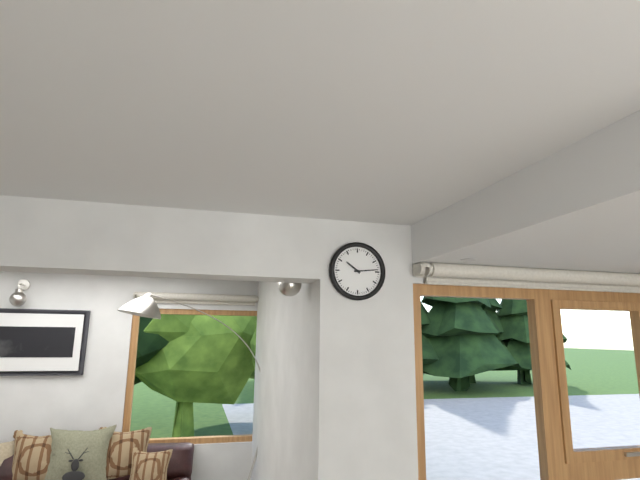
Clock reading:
**10:14**
